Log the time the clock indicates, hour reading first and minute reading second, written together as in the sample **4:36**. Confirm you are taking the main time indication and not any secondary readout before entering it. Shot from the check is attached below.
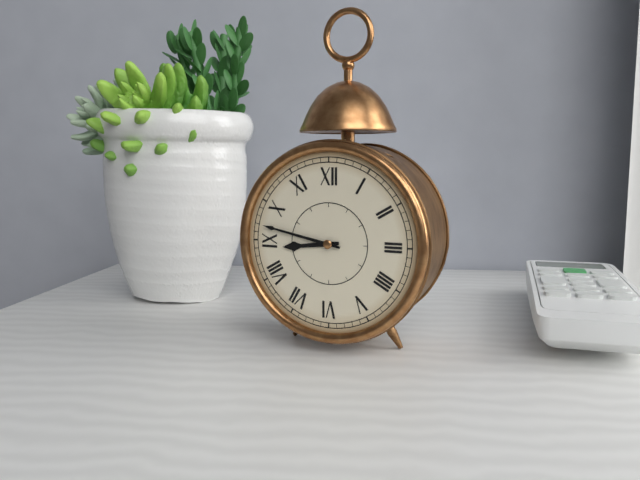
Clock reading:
**8:47**
